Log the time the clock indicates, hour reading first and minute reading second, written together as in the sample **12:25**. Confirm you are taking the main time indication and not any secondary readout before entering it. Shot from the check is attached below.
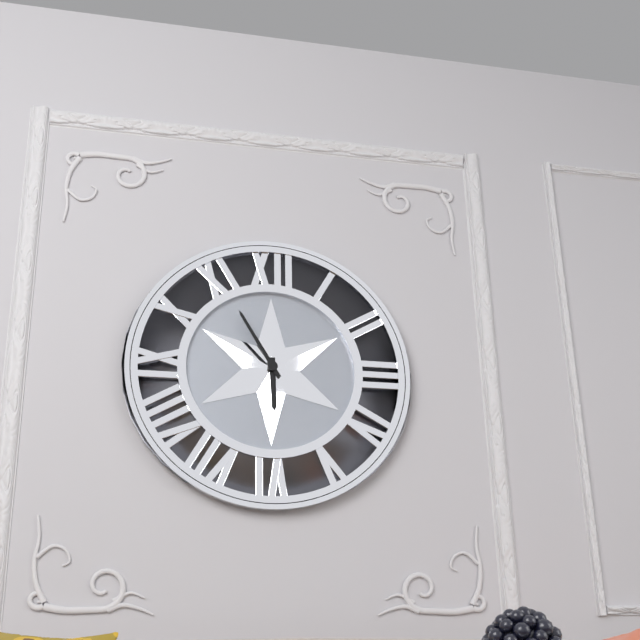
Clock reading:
**5:55**
